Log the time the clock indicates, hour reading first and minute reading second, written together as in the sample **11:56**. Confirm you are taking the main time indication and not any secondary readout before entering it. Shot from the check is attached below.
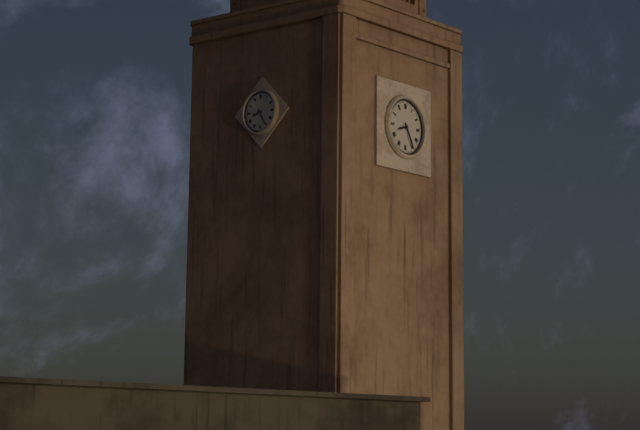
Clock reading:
**8:25**
